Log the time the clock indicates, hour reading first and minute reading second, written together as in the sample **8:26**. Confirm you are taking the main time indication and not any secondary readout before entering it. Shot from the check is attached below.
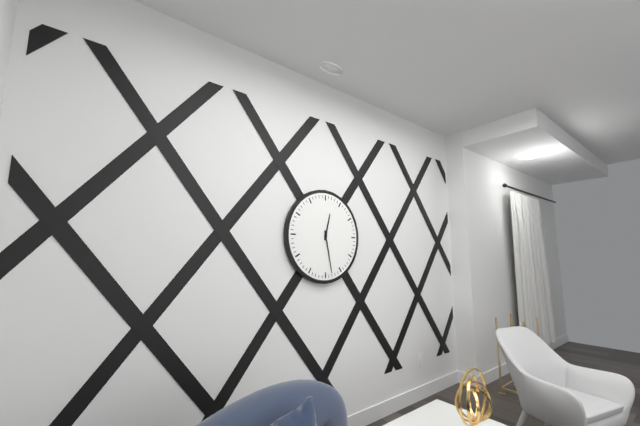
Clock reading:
**12:28**
